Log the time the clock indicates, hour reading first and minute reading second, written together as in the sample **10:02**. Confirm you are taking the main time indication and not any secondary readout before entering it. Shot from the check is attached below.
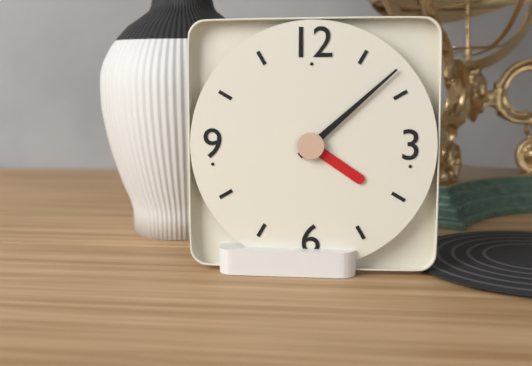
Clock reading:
**4:08**
